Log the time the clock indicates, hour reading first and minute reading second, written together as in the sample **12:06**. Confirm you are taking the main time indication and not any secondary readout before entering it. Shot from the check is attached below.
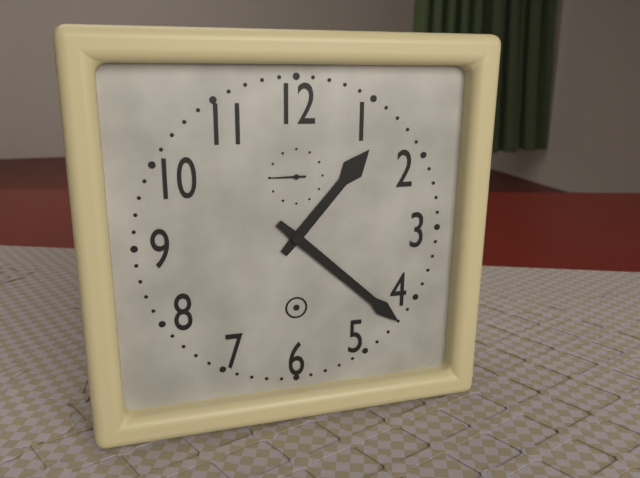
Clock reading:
**1:22**
